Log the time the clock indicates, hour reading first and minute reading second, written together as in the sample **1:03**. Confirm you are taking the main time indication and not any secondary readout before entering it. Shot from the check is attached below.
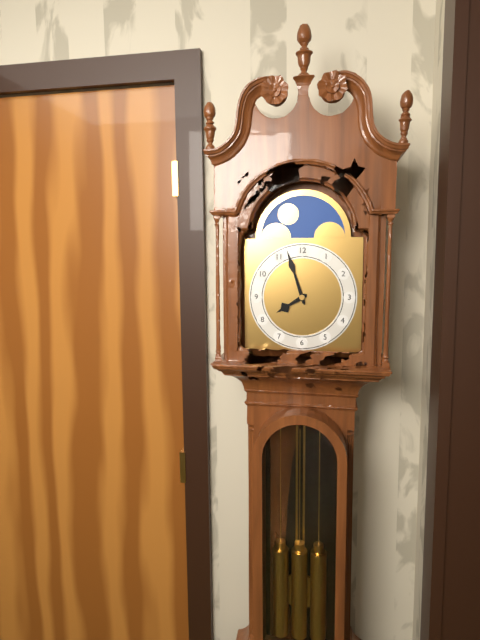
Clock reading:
**7:57**
